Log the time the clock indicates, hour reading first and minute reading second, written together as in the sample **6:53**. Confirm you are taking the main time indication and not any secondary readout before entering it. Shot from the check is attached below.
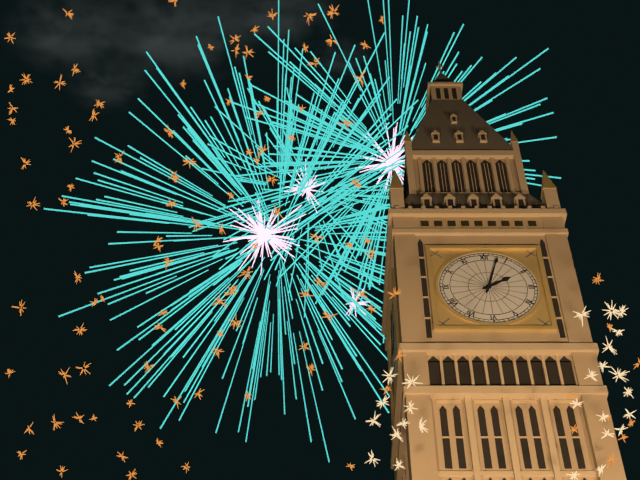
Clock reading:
**2:03**
